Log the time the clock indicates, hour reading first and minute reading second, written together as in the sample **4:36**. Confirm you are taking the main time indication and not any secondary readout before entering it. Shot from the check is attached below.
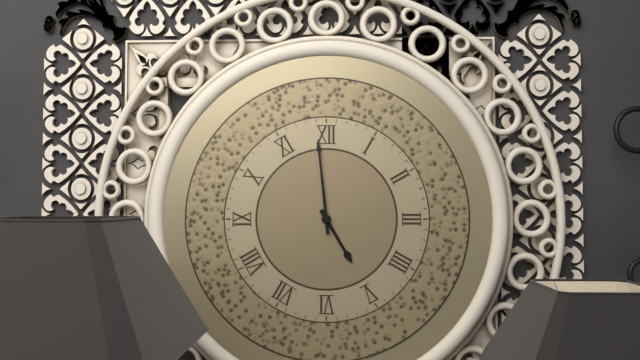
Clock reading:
**4:59**
